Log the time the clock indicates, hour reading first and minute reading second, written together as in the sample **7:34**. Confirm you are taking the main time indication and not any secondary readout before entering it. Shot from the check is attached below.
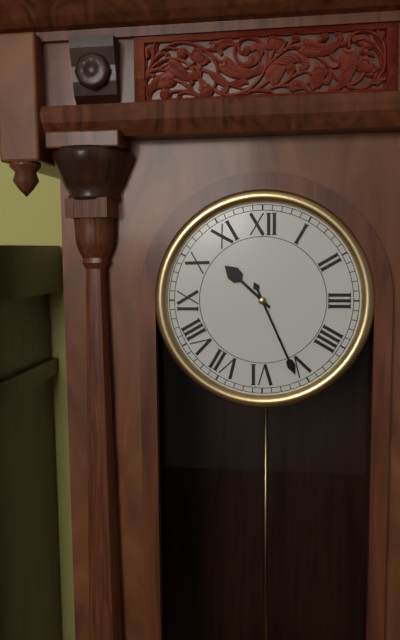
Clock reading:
**10:26**
